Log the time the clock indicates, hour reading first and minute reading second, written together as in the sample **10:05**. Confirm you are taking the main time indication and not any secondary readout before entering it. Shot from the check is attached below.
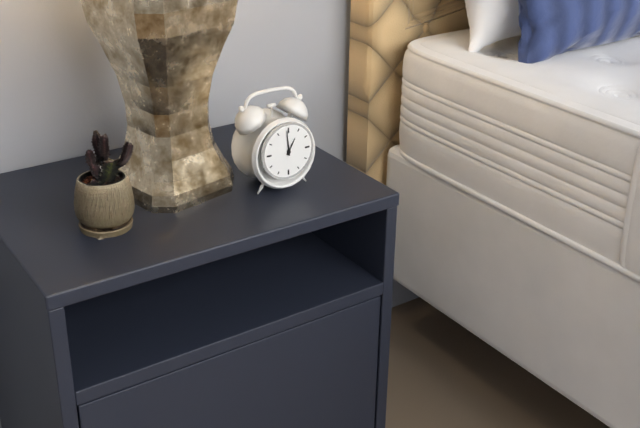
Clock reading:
**12:59**
